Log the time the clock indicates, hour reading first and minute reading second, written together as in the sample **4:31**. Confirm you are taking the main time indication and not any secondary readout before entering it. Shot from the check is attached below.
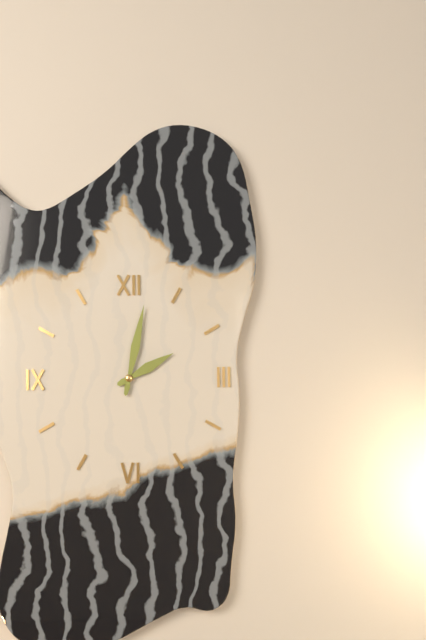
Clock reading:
**2:02**
